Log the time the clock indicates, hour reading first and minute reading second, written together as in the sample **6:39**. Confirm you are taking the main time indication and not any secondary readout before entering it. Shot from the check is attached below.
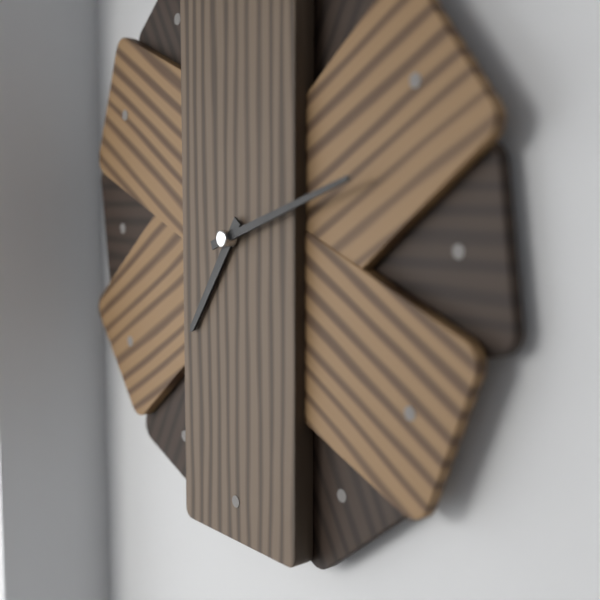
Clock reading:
**7:12**
